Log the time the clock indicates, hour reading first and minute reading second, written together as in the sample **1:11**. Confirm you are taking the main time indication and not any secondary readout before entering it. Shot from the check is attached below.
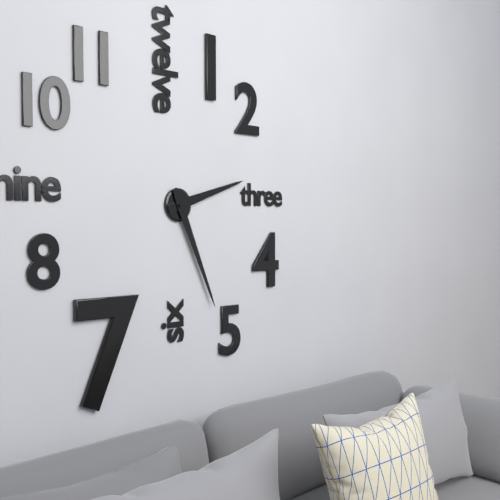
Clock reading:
**2:26**
